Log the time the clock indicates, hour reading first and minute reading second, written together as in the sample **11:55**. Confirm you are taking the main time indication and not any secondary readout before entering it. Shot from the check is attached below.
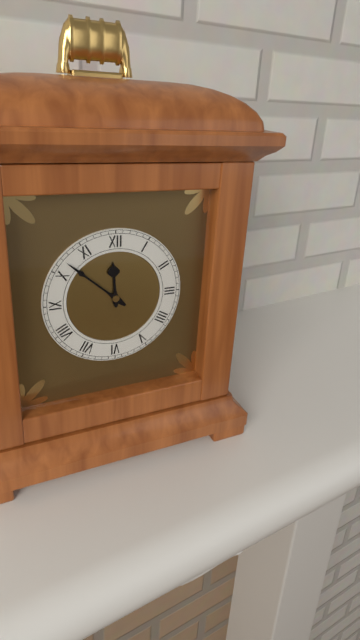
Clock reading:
**11:52**
